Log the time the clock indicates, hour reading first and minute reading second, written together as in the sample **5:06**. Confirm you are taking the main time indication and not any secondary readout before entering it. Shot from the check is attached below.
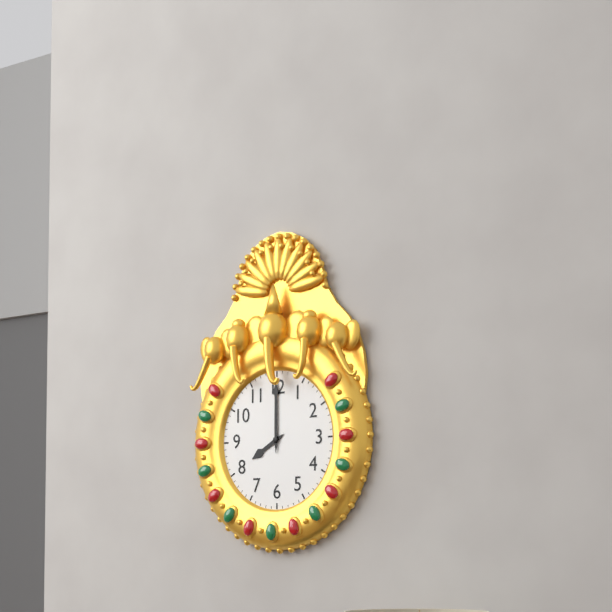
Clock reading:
**8:00**
